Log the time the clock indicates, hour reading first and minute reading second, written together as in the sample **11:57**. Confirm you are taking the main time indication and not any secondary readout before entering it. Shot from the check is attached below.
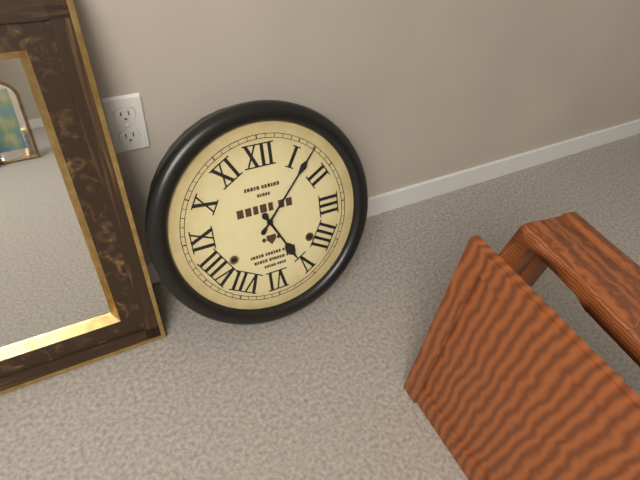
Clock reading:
**5:07**
